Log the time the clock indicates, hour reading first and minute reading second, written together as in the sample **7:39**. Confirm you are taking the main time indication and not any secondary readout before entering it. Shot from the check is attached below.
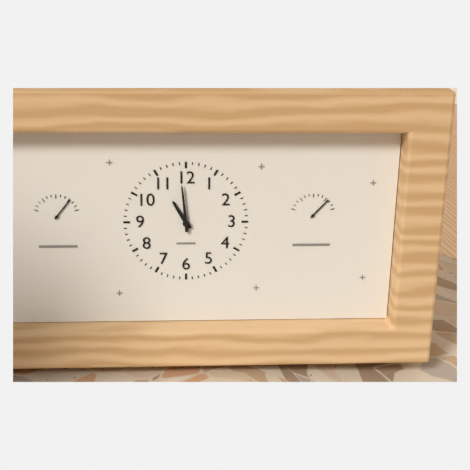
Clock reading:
**10:59**
